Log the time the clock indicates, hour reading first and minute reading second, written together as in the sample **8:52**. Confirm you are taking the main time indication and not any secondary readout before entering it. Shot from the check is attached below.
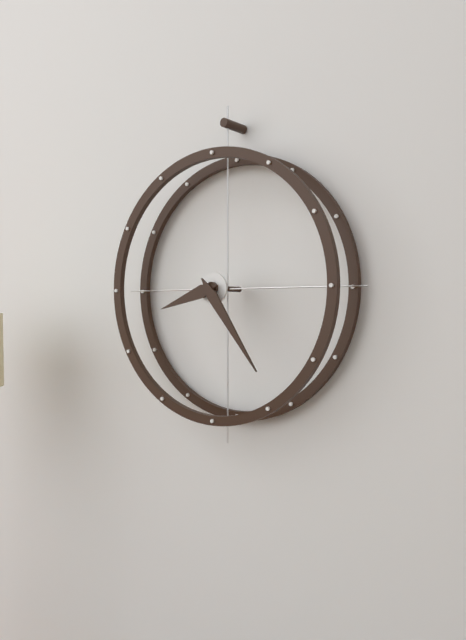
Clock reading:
**8:24**
